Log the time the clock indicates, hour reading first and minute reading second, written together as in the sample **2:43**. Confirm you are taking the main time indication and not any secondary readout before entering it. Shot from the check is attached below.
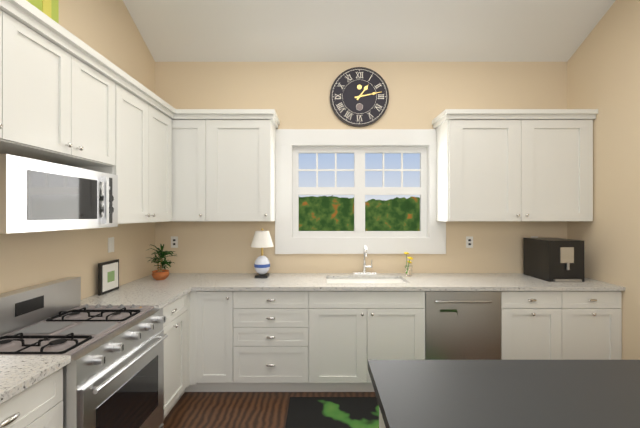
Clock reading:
**1:13**
